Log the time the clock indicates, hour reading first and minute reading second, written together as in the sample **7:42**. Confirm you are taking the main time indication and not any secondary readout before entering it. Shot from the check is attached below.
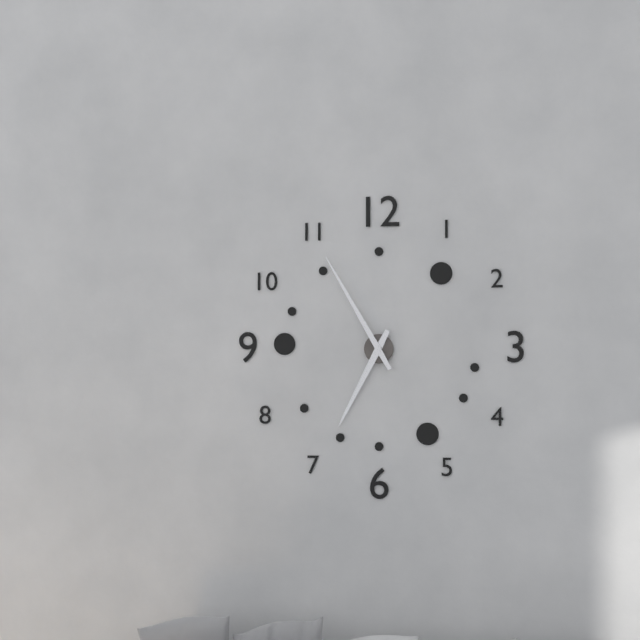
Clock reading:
**6:55**
